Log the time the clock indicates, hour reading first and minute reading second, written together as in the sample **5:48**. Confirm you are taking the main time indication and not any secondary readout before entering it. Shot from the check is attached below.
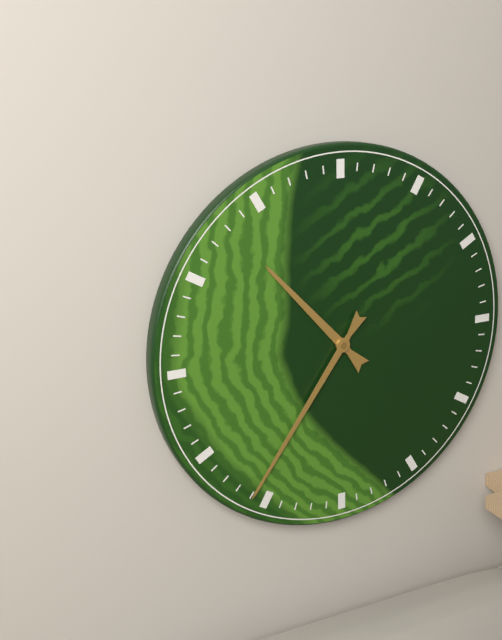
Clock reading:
**10:36**
